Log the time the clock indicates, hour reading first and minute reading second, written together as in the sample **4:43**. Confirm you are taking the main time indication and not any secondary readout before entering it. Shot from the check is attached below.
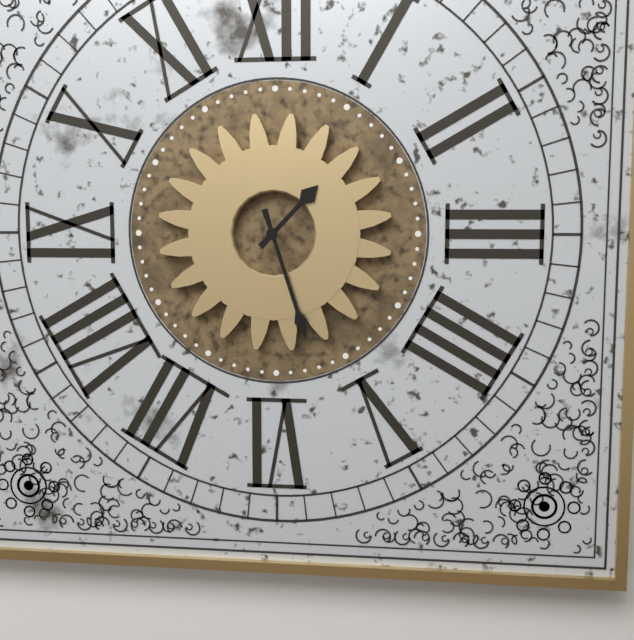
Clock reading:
**1:27**
